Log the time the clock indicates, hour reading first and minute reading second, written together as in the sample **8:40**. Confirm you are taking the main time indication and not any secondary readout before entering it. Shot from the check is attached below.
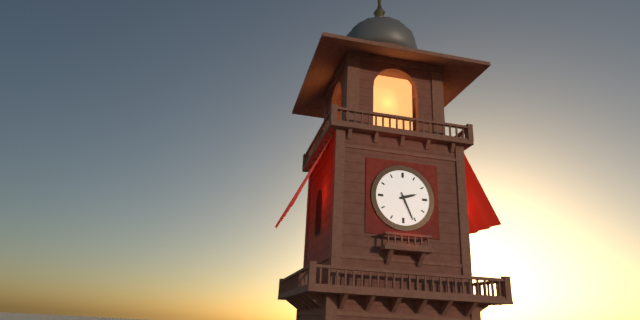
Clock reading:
**2:26**
